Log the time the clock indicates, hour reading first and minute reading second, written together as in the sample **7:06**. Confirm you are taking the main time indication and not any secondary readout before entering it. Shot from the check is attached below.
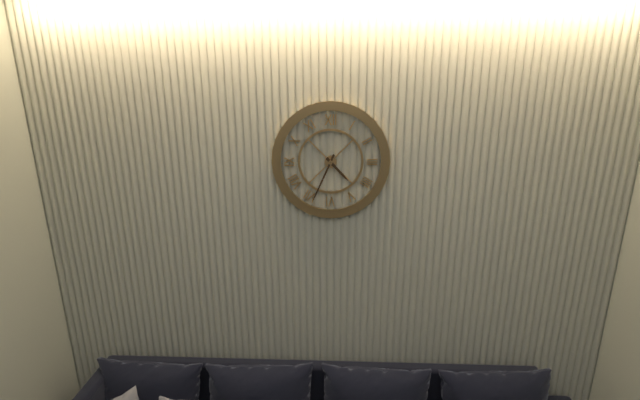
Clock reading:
**4:34**
